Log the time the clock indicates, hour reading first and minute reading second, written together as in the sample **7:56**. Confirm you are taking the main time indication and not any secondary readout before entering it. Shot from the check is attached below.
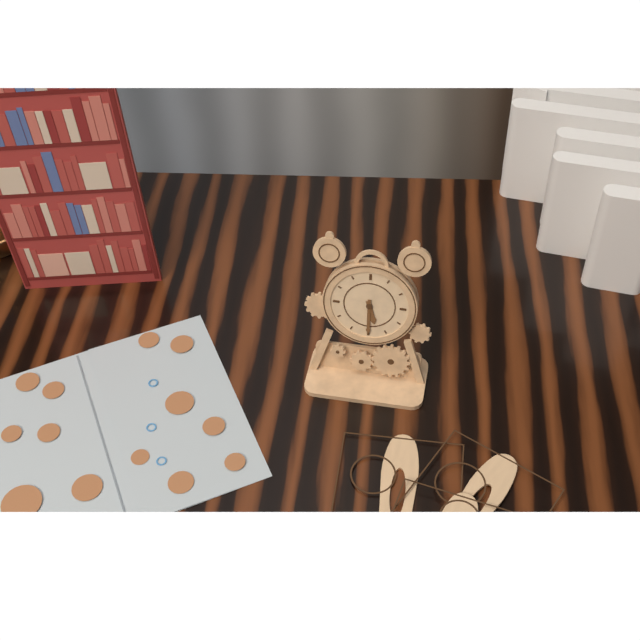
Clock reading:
**5:30**
